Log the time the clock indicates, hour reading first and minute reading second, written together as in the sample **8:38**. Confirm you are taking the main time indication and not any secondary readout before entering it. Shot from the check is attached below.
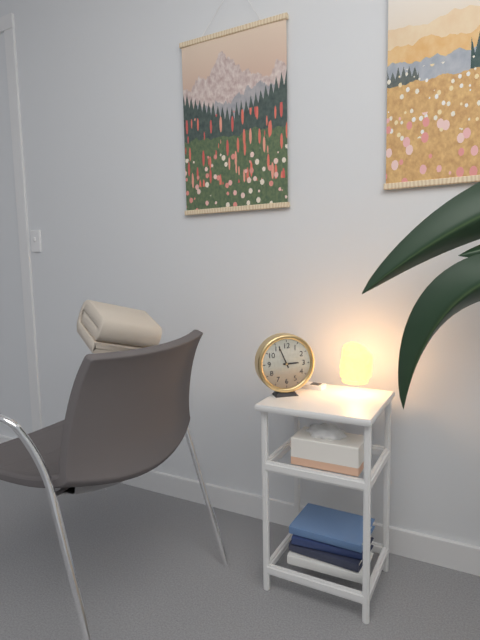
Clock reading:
**2:56**
